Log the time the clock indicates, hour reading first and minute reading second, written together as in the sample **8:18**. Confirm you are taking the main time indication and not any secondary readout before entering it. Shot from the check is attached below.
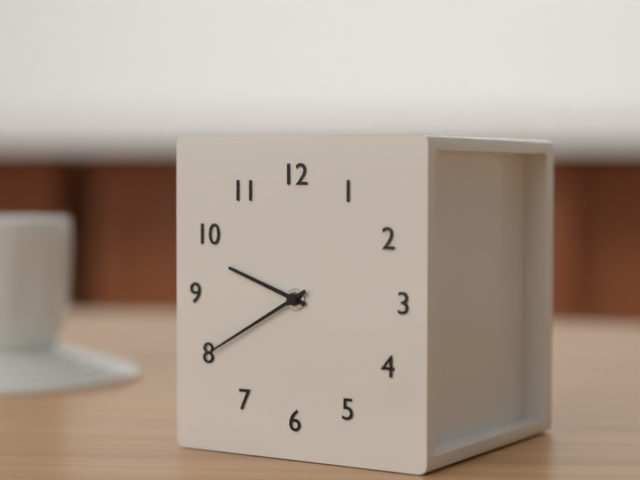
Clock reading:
**9:40**
